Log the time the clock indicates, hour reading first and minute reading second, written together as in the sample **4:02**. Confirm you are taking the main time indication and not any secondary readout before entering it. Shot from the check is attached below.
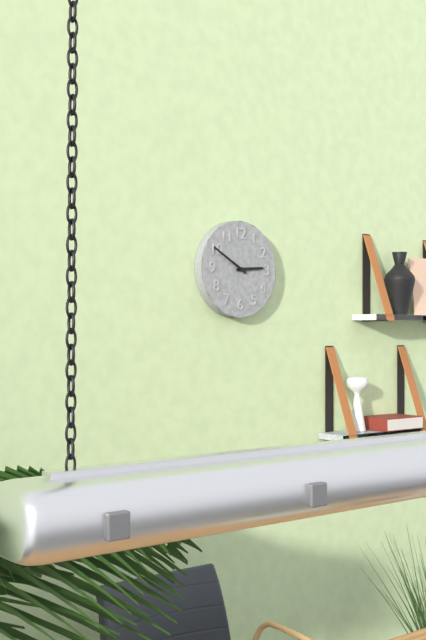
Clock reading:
**2:50**
